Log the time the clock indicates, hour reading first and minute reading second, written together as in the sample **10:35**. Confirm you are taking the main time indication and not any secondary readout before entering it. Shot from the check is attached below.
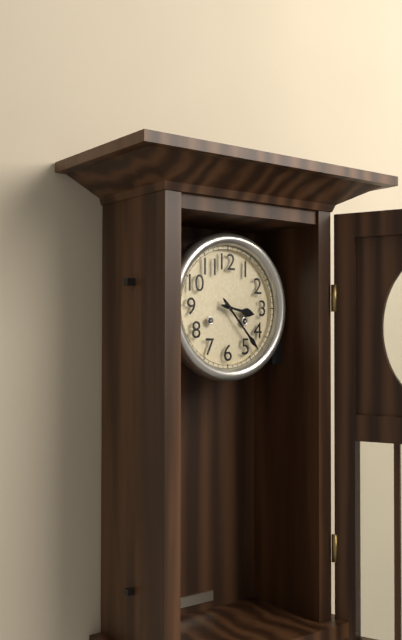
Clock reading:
**3:23**
